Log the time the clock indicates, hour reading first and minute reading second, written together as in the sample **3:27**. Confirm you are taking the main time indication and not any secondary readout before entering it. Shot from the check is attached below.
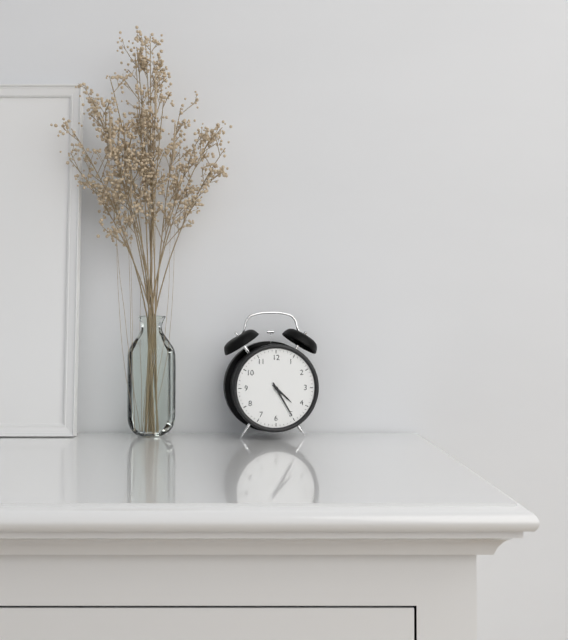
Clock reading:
**4:25**
